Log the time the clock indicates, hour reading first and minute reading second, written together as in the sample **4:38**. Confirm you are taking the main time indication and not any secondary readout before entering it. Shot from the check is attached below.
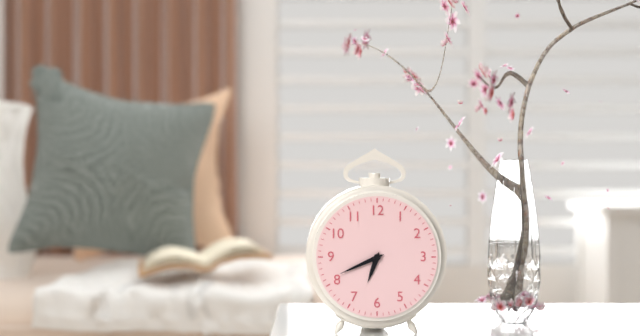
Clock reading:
**6:41**
